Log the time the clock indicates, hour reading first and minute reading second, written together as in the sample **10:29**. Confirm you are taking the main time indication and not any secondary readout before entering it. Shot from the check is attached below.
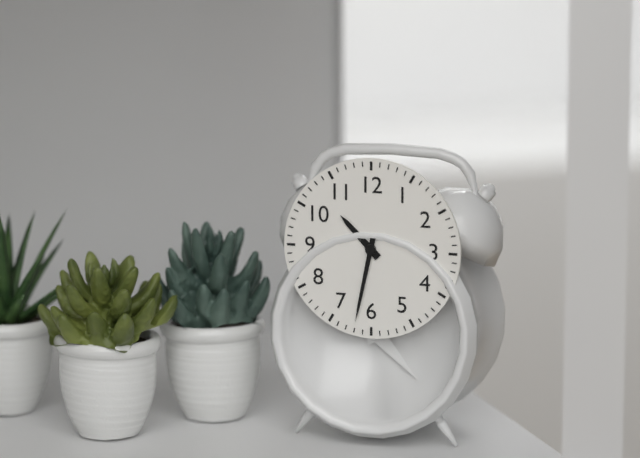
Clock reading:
**10:32**
